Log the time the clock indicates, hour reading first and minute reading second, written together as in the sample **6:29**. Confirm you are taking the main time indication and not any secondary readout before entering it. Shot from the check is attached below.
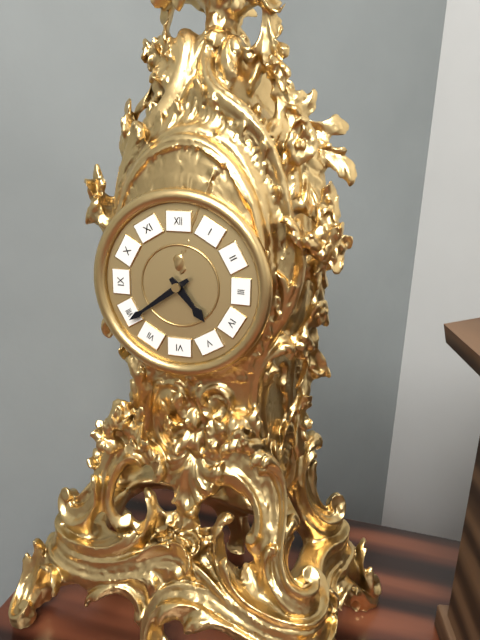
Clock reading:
**4:39**
